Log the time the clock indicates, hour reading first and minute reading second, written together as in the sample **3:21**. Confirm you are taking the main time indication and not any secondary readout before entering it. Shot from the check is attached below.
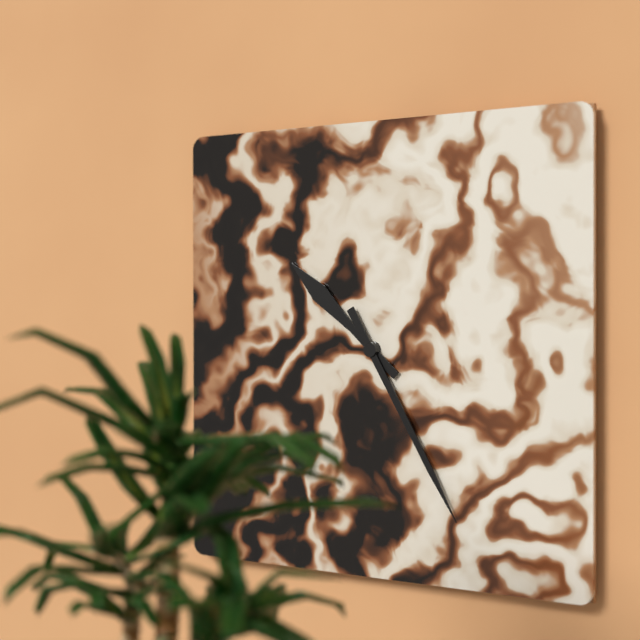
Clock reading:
**10:25**
